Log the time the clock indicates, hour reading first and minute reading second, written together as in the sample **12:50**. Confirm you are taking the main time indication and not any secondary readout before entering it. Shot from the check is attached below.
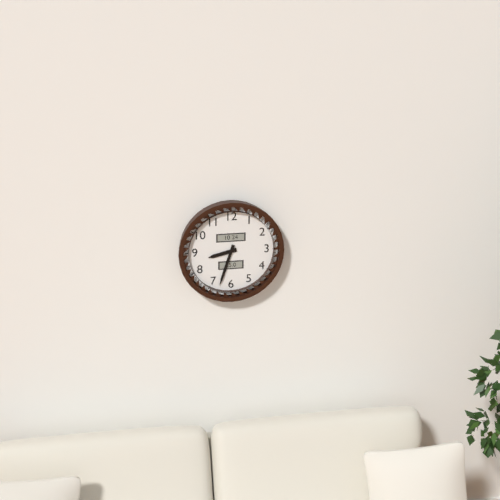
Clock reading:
**8:33**
